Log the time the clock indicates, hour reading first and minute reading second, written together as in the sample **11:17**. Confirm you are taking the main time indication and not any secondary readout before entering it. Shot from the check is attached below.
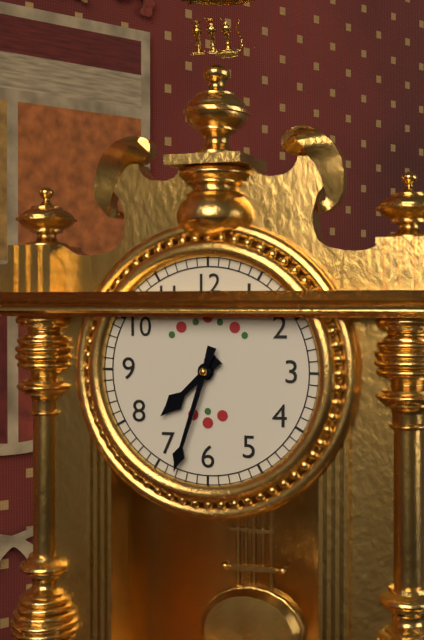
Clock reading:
**7:33**
